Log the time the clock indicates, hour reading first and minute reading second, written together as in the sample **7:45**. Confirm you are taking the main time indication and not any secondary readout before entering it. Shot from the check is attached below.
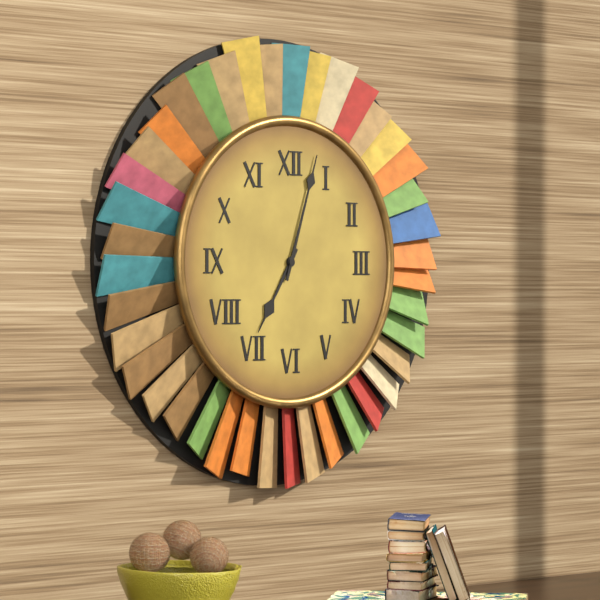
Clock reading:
**7:03**
